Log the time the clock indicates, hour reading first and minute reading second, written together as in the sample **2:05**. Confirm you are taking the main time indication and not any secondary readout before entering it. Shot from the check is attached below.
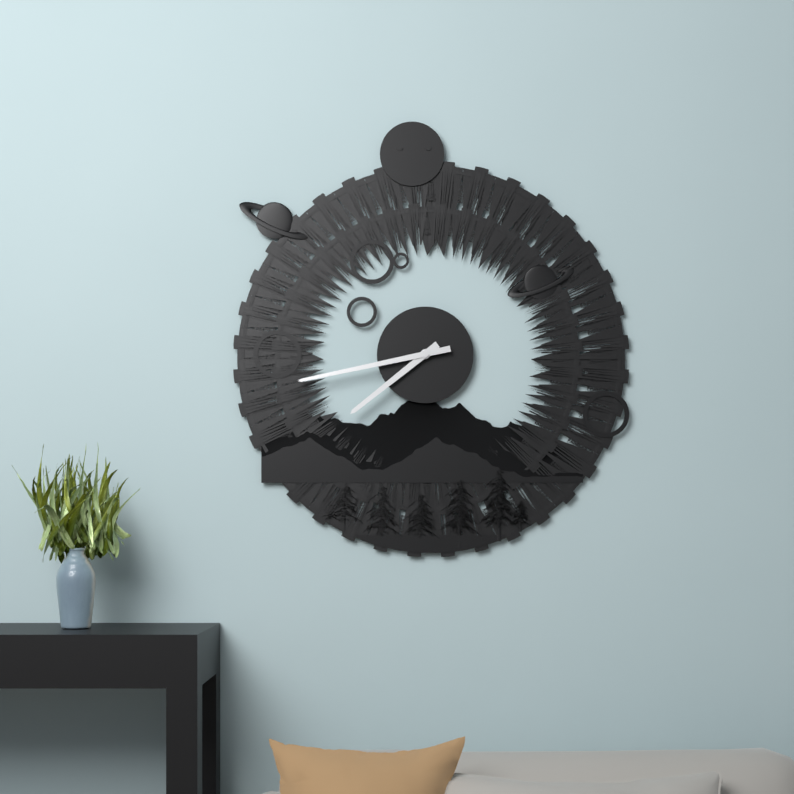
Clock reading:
**7:43**
